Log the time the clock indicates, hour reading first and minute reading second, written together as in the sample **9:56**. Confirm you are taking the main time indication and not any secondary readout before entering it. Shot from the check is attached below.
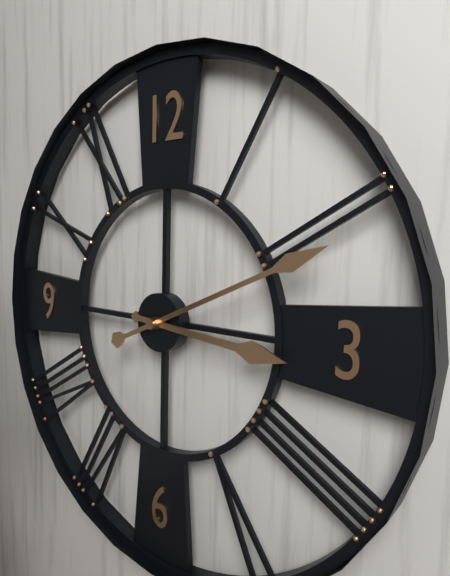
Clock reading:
**3:11**
